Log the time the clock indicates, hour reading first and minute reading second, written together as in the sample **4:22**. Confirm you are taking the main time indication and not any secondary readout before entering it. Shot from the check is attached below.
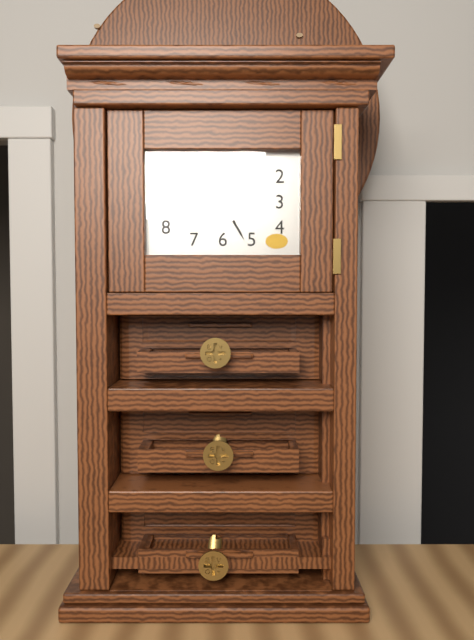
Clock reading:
**10:25**
